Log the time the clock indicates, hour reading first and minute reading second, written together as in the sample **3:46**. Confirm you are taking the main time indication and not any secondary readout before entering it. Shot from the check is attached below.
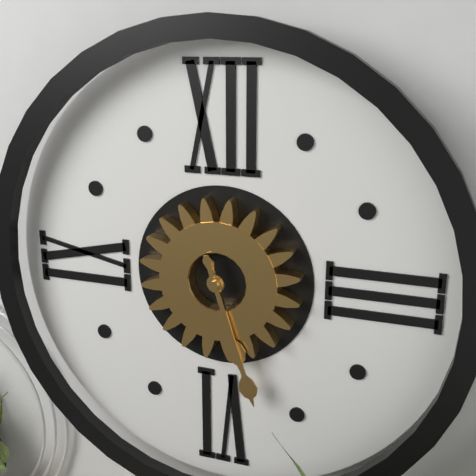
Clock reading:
**5:27**
